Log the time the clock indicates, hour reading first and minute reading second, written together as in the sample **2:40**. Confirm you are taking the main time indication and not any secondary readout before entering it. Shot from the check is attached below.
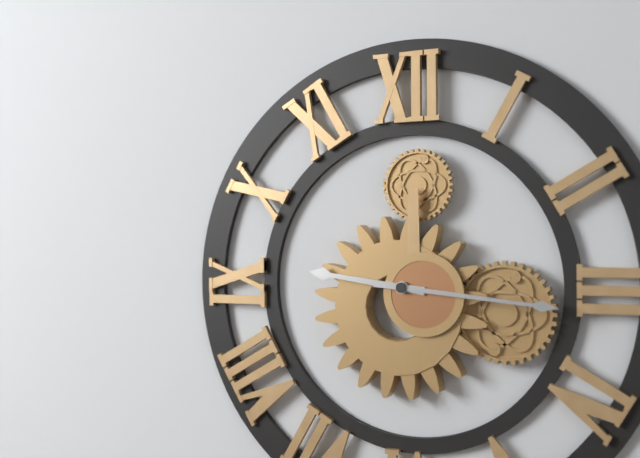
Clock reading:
**9:16**
